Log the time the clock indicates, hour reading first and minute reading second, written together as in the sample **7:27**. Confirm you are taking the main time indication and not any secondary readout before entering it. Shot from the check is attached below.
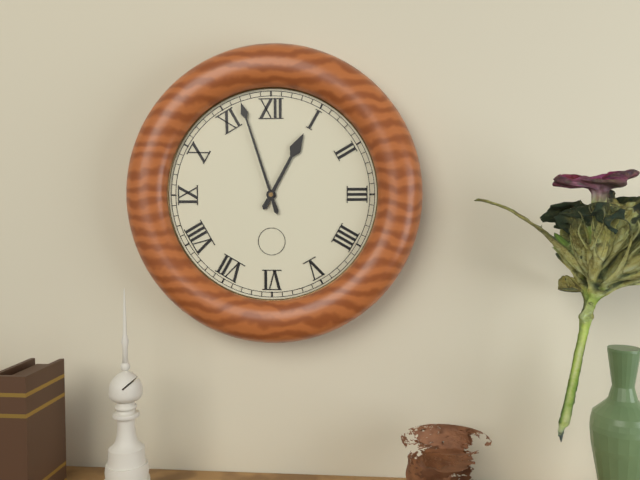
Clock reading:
**12:57**
